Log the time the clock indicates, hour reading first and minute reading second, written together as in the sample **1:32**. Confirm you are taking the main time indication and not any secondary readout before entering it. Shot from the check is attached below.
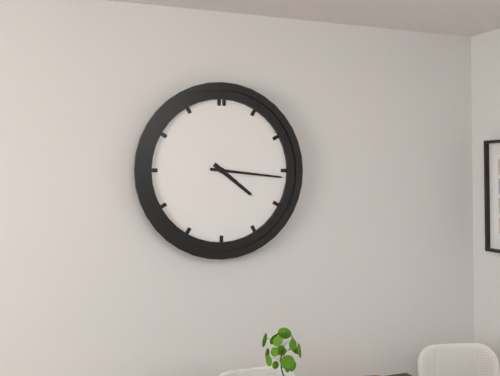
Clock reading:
**4:16**
